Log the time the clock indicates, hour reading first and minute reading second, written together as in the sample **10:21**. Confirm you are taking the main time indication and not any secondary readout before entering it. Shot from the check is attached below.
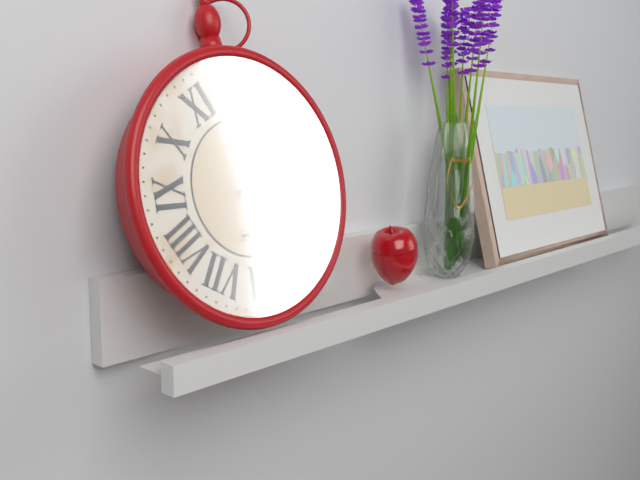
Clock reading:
**6:12**
